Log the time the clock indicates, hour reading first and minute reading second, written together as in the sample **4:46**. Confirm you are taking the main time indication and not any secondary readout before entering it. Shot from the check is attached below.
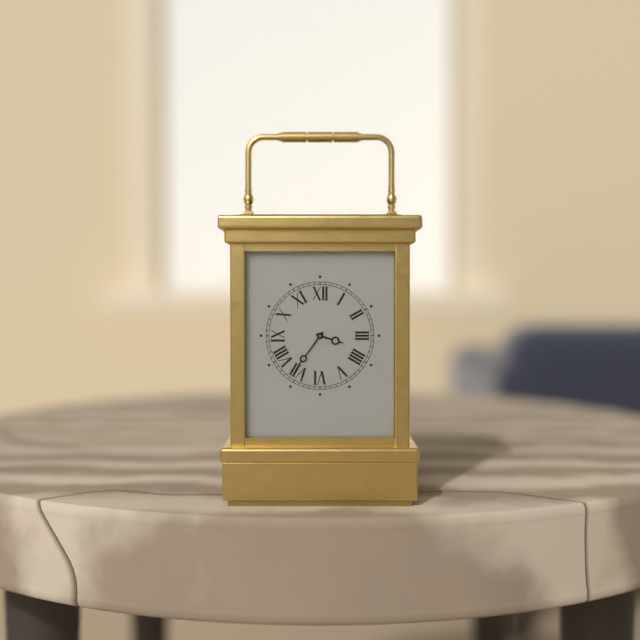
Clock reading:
**3:36**
